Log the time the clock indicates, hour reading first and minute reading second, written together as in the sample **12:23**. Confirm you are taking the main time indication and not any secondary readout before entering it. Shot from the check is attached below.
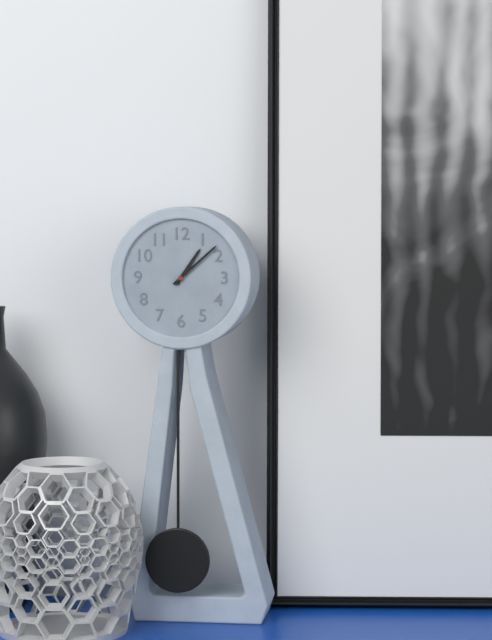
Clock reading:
**1:08**
